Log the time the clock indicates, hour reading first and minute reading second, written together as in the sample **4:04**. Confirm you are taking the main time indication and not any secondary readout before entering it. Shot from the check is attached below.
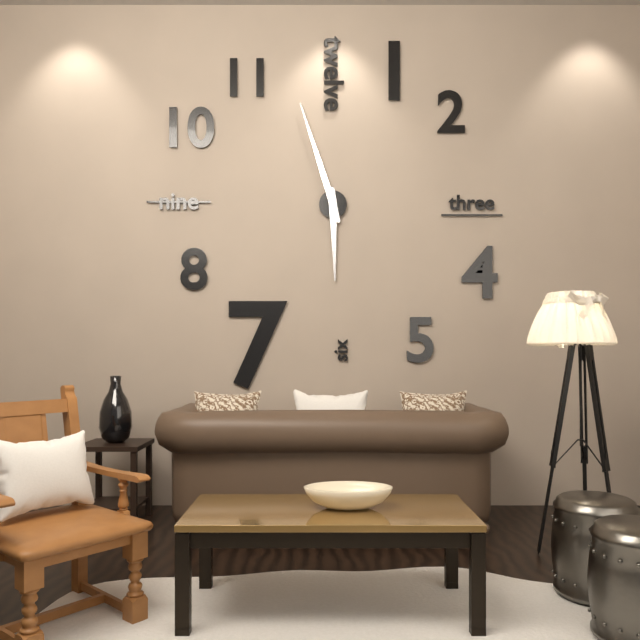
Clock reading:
**5:57**
